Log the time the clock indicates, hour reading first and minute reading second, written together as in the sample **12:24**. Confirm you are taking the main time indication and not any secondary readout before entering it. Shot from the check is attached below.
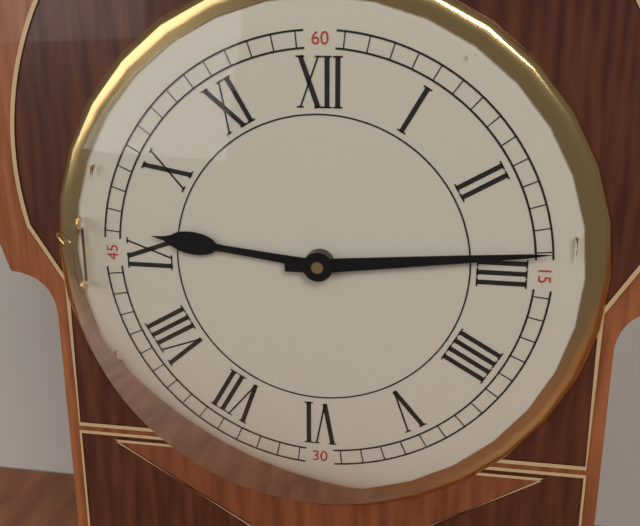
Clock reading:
**9:14**
